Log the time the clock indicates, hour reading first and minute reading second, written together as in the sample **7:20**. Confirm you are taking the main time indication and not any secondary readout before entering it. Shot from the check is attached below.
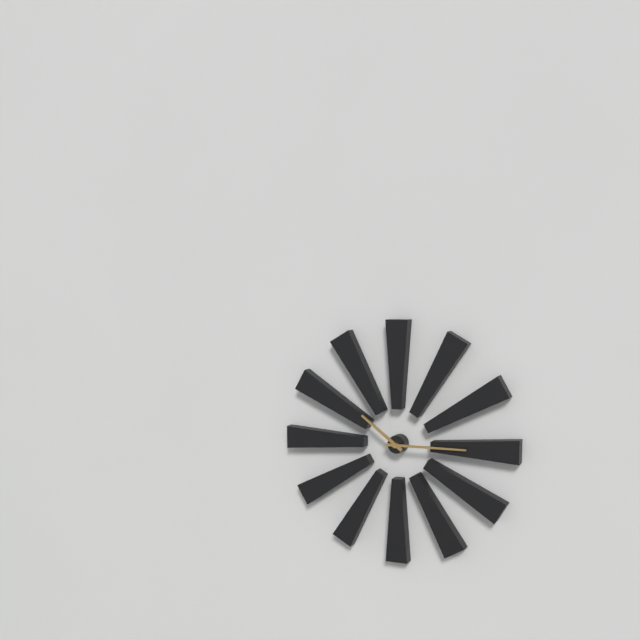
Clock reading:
**10:15**
